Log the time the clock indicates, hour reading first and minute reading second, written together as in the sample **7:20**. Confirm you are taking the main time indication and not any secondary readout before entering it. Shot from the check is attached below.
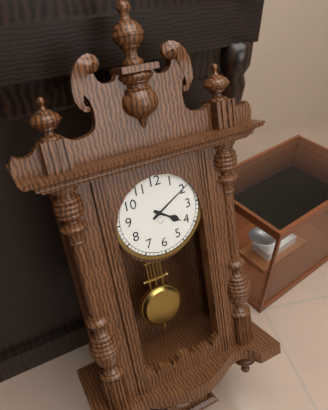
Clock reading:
**4:10**
